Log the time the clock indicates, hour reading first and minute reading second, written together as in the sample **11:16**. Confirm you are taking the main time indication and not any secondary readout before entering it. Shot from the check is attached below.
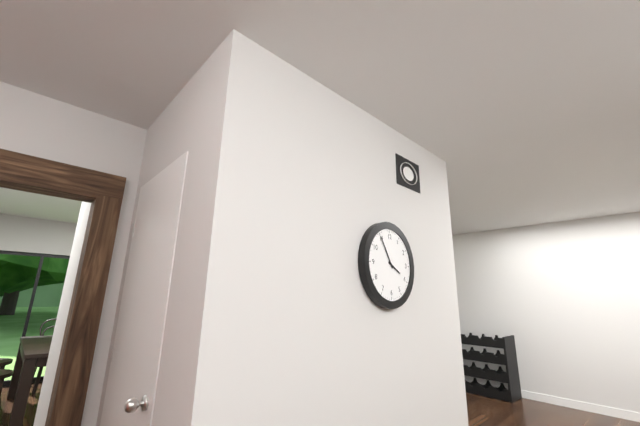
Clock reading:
**3:55**
